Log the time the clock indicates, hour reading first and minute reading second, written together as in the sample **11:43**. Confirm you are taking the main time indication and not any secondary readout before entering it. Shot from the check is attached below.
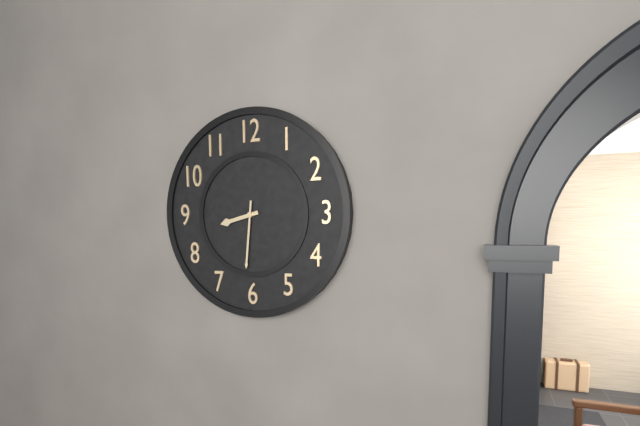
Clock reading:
**8:31**
